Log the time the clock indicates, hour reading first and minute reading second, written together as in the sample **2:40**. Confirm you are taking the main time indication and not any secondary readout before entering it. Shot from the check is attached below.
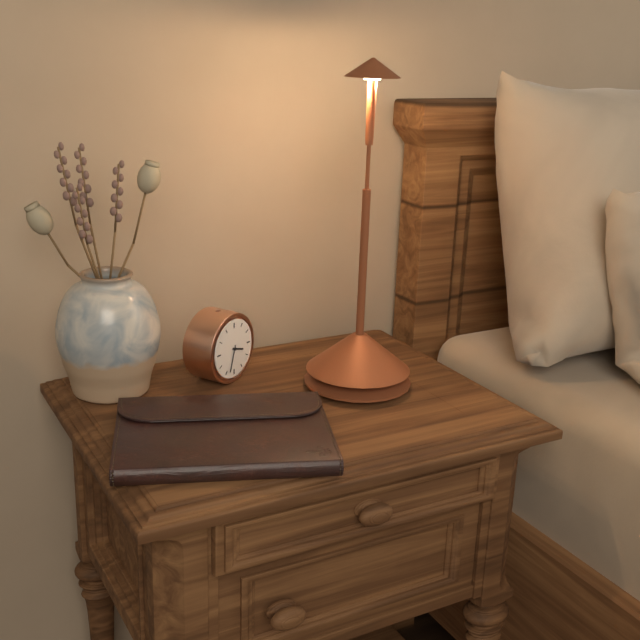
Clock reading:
**3:33**
